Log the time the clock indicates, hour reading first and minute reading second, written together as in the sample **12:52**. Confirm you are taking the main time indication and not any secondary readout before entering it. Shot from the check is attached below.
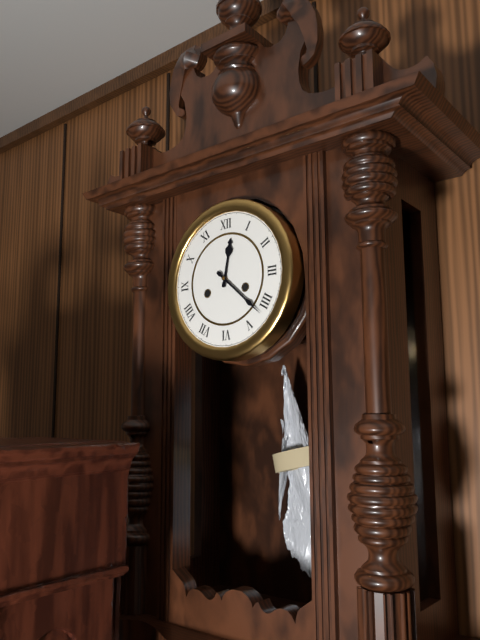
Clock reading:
**12:22**
